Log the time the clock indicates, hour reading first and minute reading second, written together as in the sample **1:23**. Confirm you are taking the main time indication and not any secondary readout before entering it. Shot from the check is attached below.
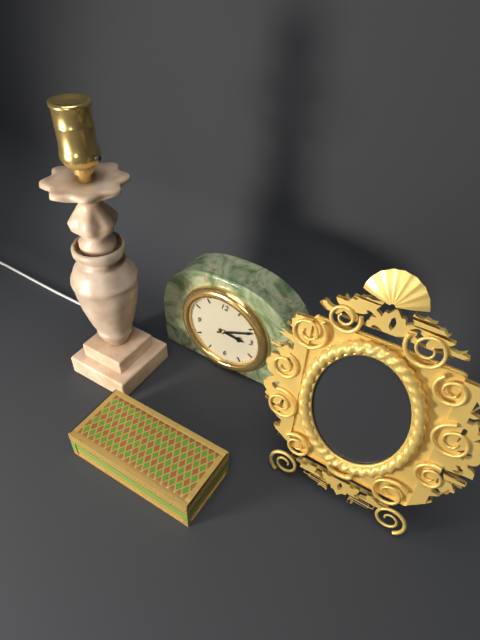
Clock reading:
**3:11**
